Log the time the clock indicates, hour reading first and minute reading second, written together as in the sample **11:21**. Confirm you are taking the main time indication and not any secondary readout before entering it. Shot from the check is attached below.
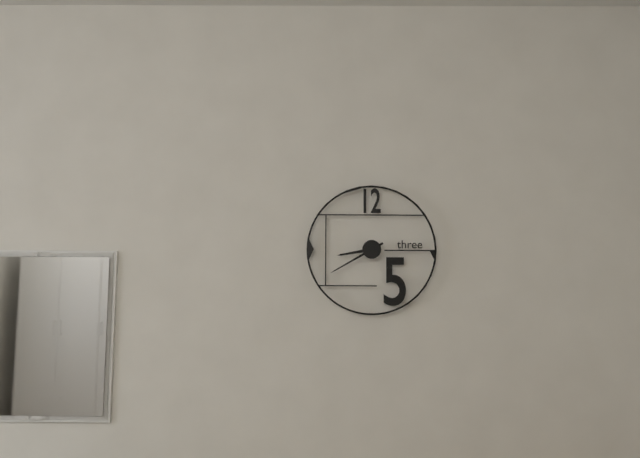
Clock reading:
**8:40**
